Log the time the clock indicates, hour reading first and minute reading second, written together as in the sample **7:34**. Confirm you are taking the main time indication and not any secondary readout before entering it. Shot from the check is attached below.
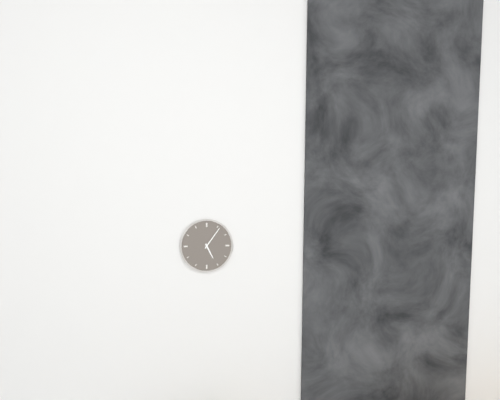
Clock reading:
**5:06**
